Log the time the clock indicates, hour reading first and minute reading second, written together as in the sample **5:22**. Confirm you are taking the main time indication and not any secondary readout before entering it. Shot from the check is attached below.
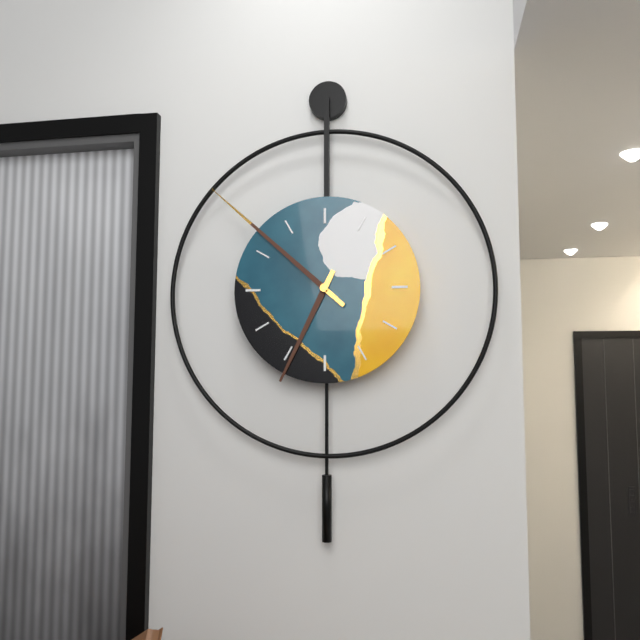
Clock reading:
**6:52**
